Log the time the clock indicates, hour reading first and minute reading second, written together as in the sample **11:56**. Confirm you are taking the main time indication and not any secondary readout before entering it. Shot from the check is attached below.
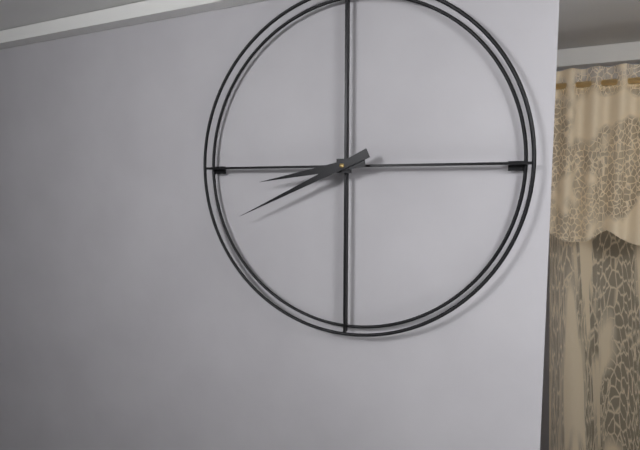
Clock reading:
**8:41**
